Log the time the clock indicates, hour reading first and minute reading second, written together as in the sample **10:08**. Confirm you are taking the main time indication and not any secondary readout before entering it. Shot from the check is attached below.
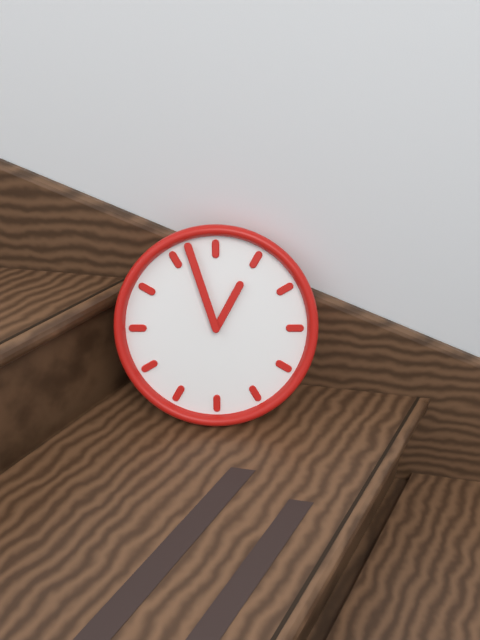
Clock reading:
**12:57**
